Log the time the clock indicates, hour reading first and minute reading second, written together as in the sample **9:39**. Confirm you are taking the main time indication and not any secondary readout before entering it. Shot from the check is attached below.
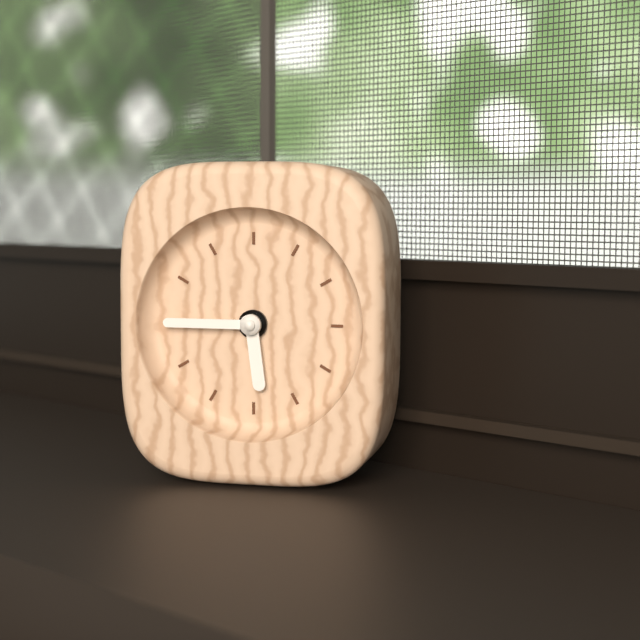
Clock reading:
**5:45**
